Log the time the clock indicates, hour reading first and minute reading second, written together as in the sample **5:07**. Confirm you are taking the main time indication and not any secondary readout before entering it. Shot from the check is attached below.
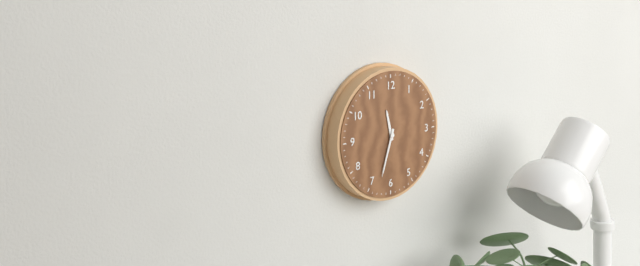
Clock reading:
**11:33**
